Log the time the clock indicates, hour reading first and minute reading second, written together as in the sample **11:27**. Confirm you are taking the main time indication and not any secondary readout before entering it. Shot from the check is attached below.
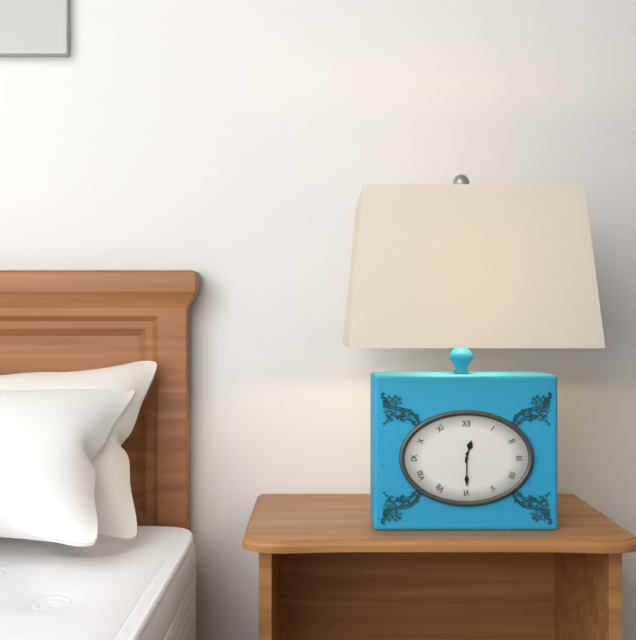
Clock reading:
**12:30**
